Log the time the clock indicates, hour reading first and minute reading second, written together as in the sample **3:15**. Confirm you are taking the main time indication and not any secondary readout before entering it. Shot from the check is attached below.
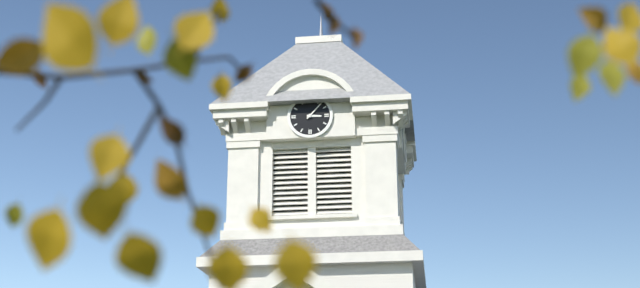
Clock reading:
**3:07**
